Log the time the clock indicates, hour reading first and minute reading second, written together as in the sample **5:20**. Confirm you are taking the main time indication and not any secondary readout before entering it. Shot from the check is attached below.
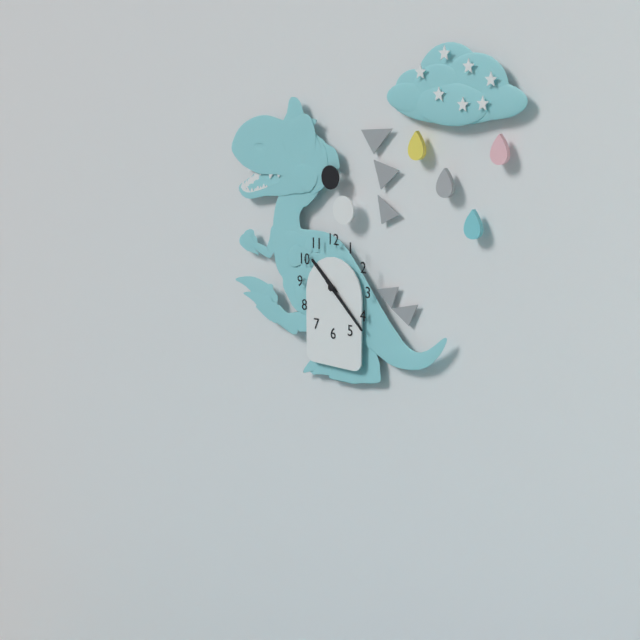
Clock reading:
**10:22**
